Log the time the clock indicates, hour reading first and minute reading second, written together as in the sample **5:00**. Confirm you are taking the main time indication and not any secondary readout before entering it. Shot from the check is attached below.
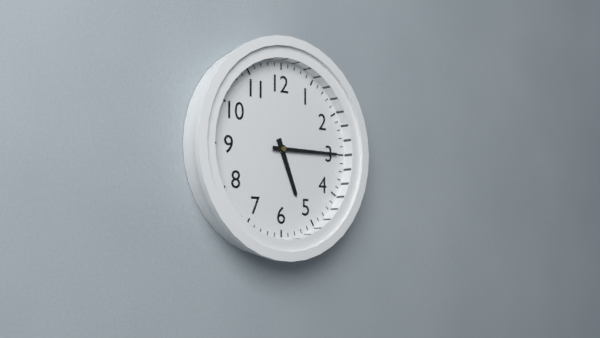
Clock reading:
**5:15**
